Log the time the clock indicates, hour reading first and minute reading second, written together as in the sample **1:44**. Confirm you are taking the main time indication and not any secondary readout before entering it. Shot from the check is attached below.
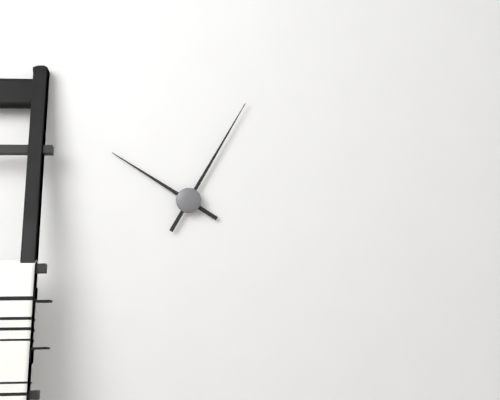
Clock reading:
**10:05**
